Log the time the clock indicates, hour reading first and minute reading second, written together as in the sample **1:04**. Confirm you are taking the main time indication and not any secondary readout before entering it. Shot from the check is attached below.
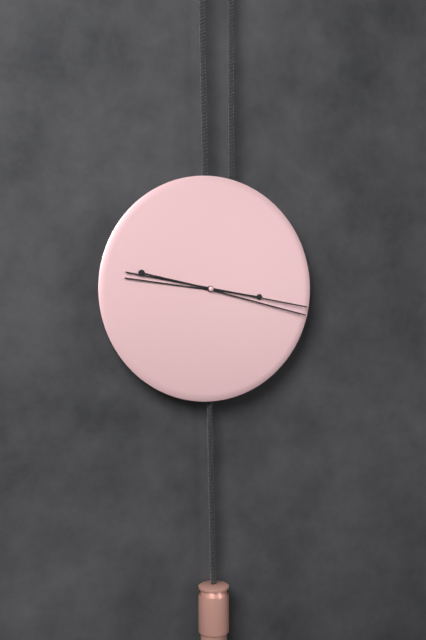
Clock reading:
**9:17**
